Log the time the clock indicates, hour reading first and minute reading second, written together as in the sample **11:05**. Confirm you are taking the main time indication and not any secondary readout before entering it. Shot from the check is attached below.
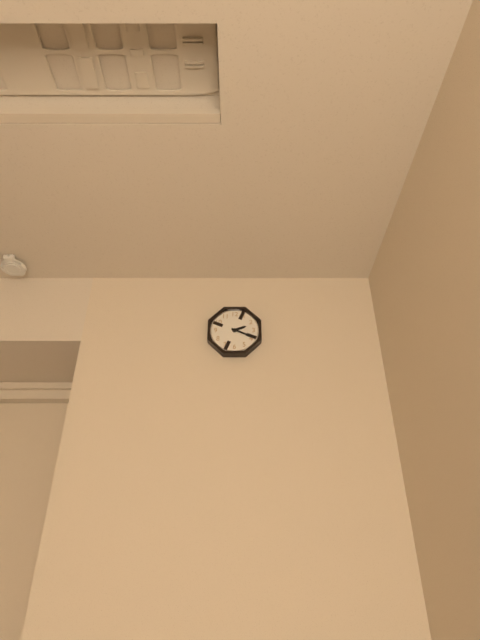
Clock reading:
**2:19**
